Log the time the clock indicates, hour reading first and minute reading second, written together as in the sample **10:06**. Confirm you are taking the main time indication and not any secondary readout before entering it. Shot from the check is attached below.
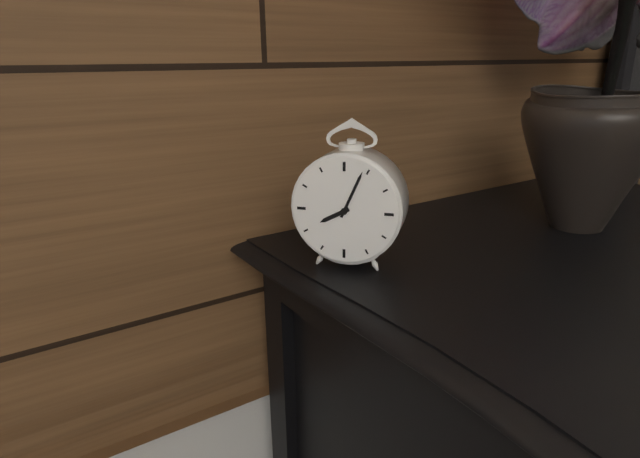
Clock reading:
**8:04**
